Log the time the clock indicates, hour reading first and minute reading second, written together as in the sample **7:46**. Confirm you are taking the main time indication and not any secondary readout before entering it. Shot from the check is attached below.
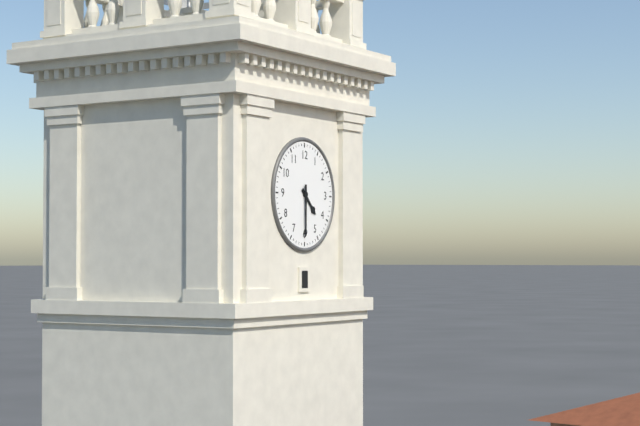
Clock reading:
**4:30**
